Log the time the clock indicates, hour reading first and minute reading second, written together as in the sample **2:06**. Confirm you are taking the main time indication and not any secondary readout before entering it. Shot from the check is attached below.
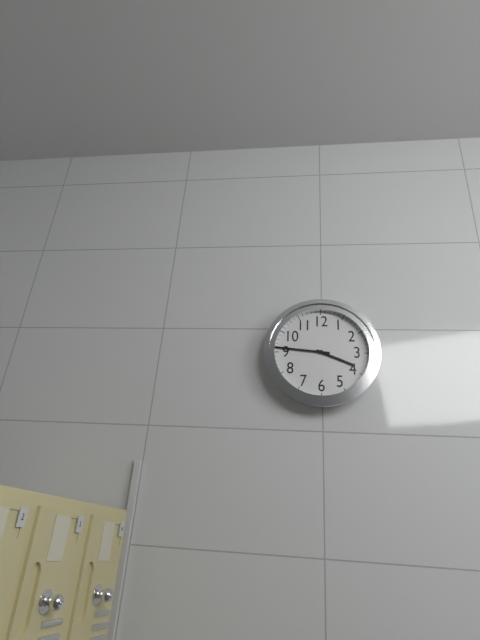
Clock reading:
**3:46**
